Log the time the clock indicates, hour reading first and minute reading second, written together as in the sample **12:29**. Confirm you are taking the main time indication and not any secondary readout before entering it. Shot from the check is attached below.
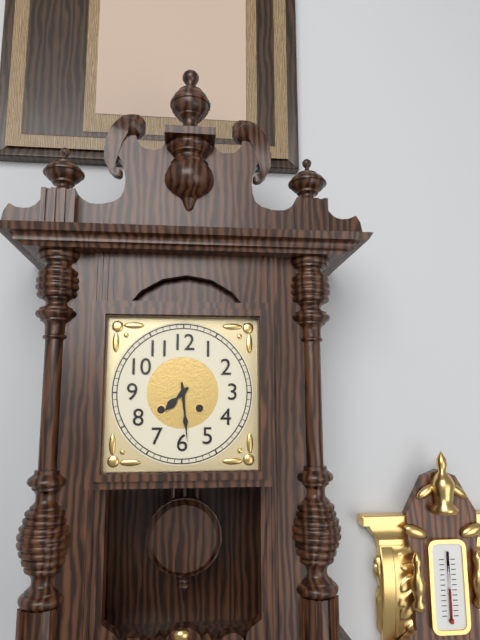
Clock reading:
**7:29**
